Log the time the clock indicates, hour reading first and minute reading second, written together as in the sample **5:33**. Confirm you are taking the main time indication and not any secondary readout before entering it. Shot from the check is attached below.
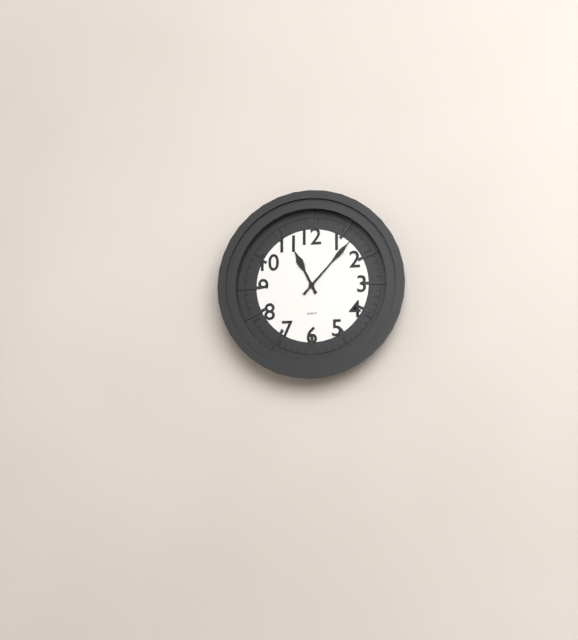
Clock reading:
**11:07**
